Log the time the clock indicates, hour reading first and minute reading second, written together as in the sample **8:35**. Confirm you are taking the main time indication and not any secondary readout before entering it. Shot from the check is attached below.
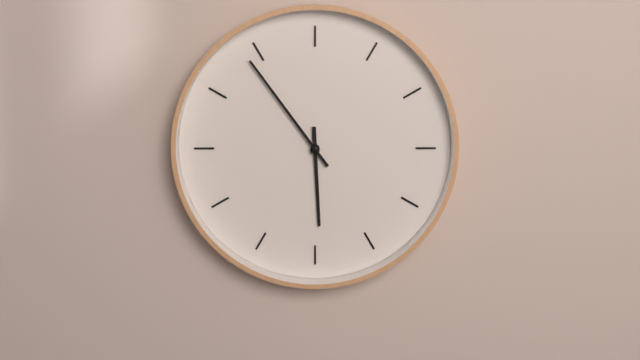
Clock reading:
**5:54**
